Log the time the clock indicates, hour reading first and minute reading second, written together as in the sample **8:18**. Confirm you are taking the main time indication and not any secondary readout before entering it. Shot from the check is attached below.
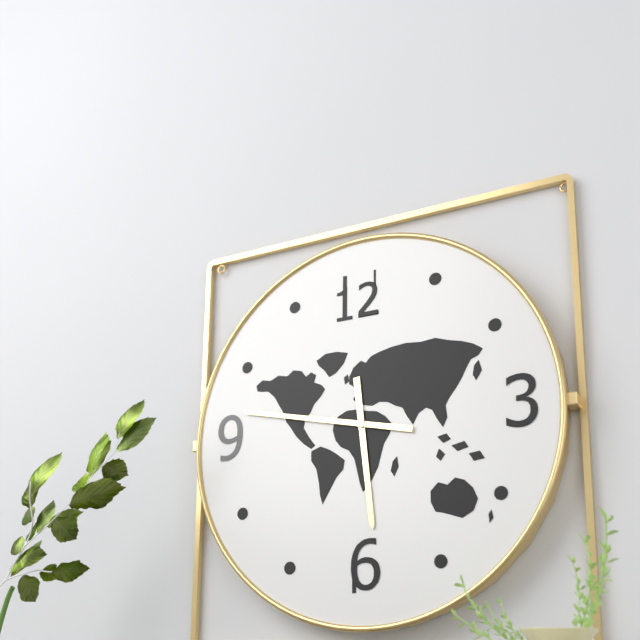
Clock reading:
**5:47**
